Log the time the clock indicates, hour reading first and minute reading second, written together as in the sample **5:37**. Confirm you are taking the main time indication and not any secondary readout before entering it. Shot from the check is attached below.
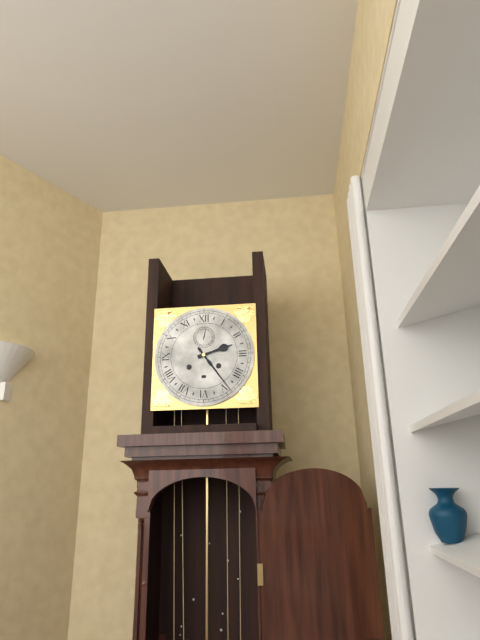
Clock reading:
**2:24**
